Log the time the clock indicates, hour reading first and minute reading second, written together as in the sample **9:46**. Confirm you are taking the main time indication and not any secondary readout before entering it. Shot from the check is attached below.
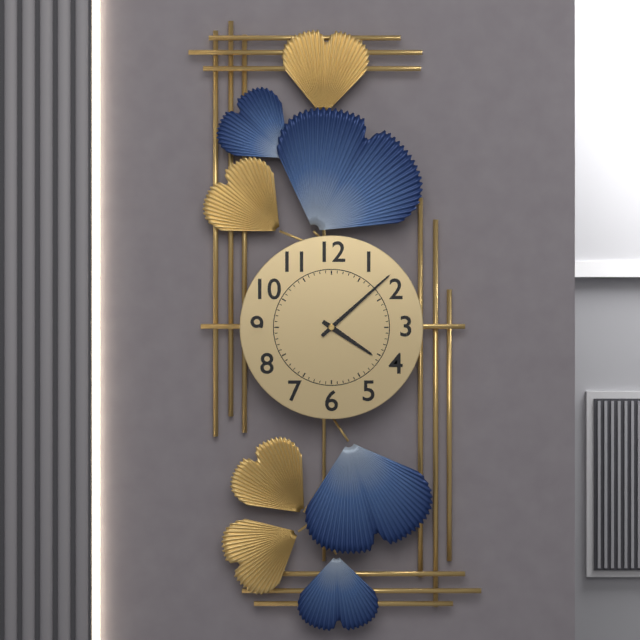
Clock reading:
**4:08**
